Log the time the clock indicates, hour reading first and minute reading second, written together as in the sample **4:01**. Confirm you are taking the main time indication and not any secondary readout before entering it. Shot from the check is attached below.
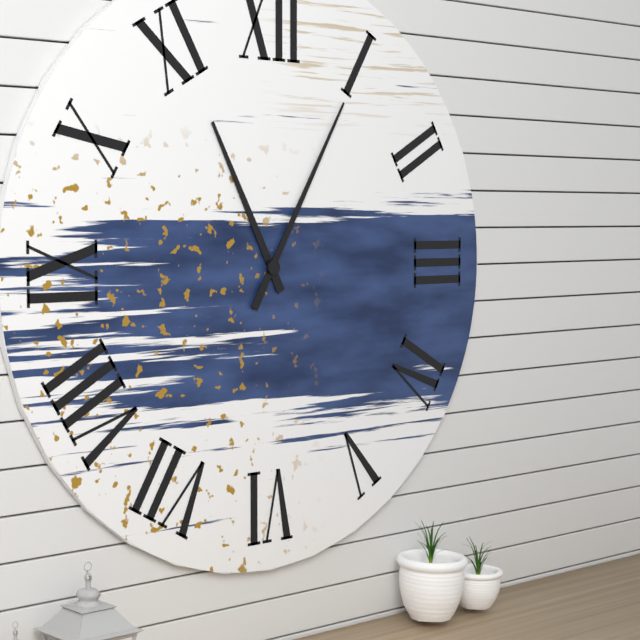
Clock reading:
**11:05**
